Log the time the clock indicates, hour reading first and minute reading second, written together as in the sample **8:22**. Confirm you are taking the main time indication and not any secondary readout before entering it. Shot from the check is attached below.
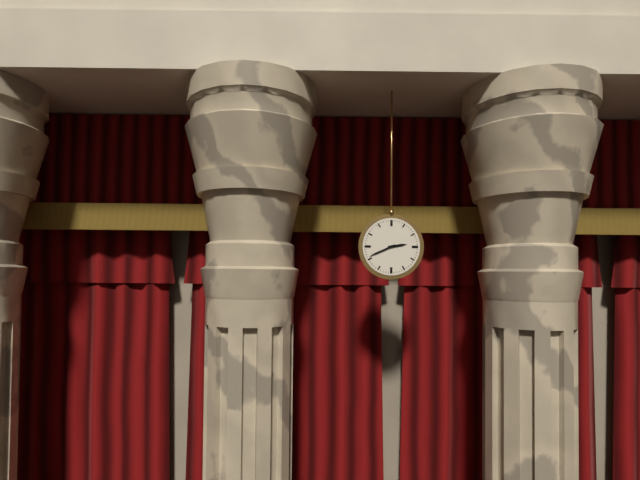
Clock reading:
**2:41**
